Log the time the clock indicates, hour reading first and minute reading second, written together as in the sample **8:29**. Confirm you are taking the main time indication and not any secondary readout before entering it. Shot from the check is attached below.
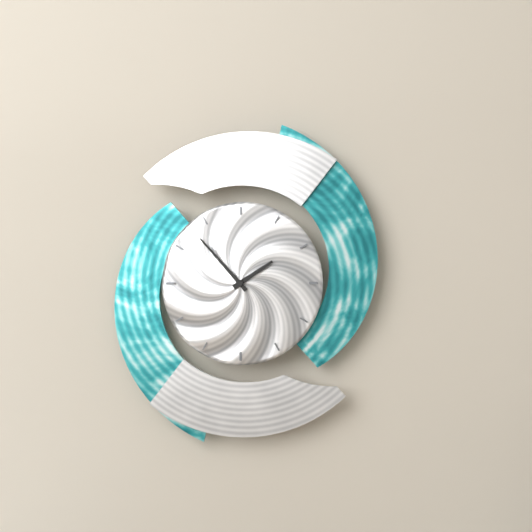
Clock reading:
**1:53**
